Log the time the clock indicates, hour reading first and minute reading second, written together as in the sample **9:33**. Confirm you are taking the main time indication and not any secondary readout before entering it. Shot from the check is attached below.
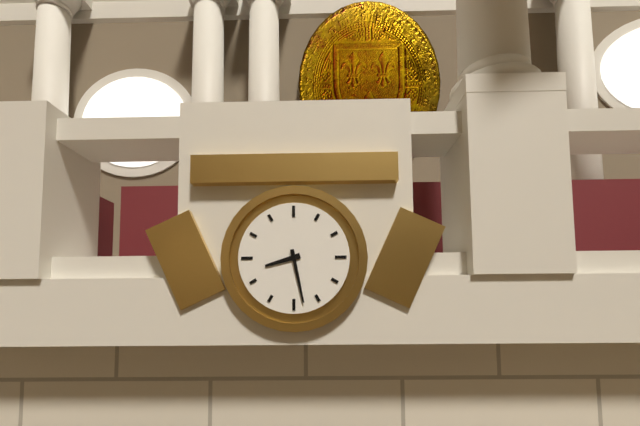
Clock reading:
**8:28**
